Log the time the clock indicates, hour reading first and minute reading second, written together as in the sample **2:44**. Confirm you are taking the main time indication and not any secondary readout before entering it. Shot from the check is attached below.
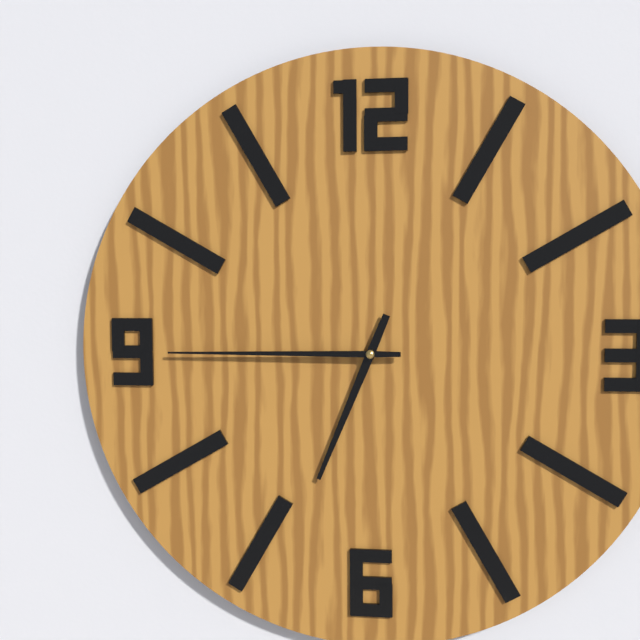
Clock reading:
**6:45**
